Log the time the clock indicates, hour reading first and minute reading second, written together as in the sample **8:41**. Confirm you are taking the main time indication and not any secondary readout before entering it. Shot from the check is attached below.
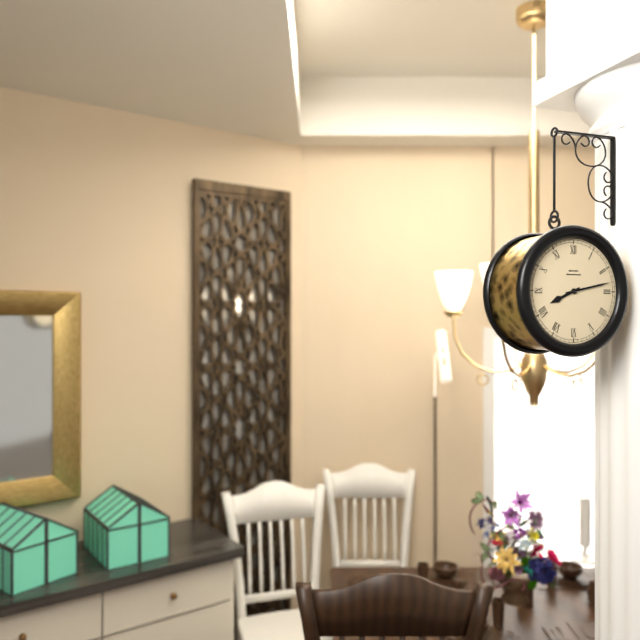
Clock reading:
**8:13**
